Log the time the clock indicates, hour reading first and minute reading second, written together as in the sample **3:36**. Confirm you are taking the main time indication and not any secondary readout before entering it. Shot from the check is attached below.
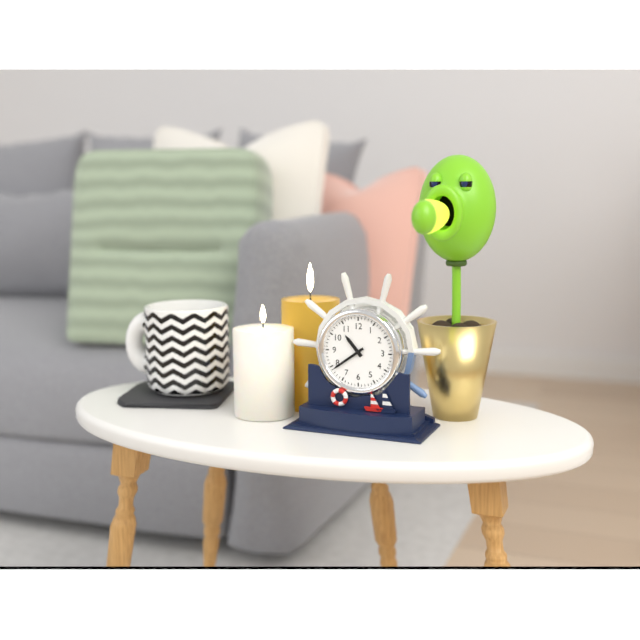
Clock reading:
**10:39**
